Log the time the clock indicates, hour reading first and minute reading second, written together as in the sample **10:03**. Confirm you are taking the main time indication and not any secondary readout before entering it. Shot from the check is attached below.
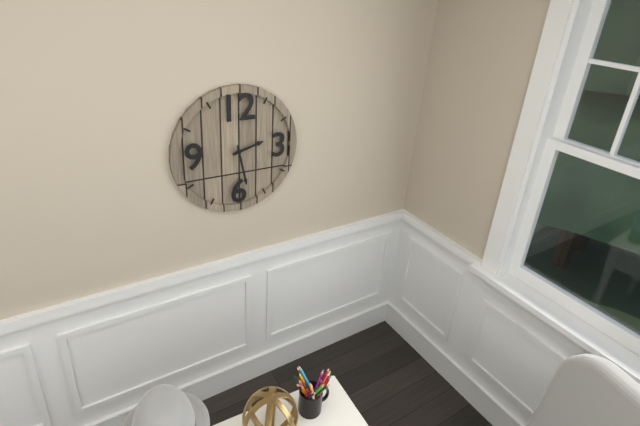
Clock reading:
**2:28**
